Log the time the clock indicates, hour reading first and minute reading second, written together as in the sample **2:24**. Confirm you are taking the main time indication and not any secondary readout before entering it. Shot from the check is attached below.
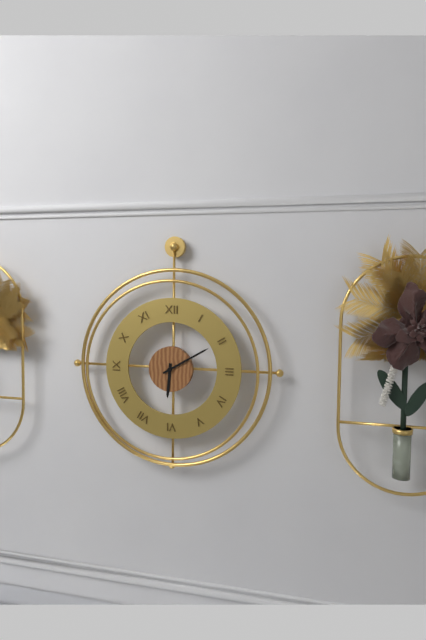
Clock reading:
**6:10**
